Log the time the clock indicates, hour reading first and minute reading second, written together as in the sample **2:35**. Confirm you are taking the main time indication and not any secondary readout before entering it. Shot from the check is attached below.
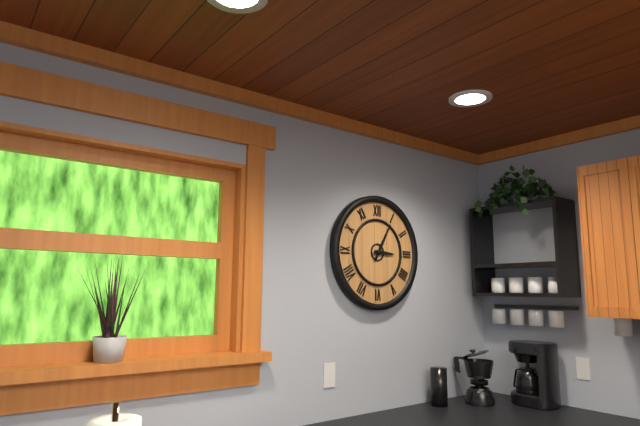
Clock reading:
**3:05**
